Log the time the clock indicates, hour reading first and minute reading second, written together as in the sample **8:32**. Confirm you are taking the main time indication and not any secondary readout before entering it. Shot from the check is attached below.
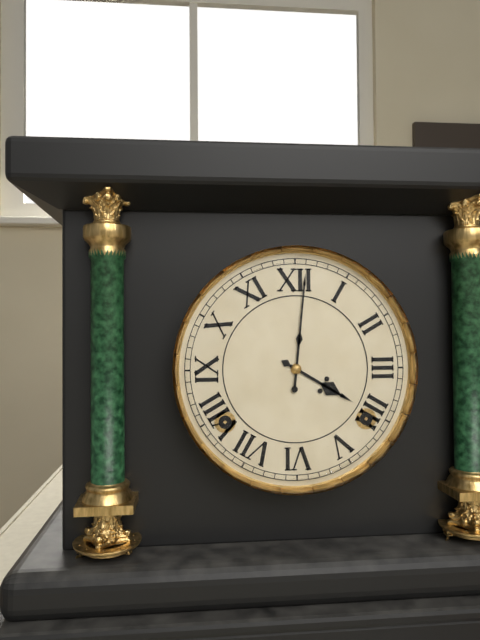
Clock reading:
**4:01**
